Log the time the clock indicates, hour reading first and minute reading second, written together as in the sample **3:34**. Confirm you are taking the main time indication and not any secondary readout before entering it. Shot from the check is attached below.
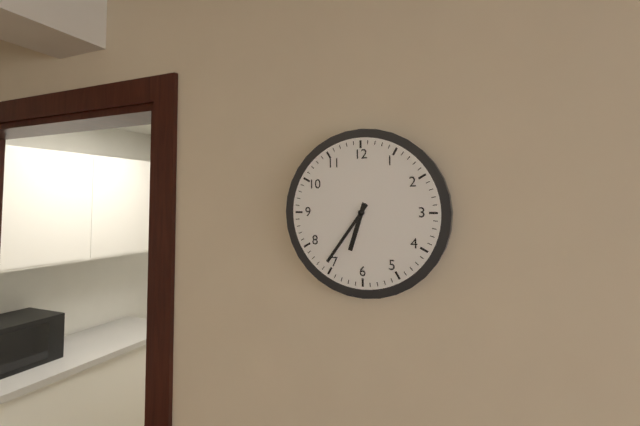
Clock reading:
**6:36**
